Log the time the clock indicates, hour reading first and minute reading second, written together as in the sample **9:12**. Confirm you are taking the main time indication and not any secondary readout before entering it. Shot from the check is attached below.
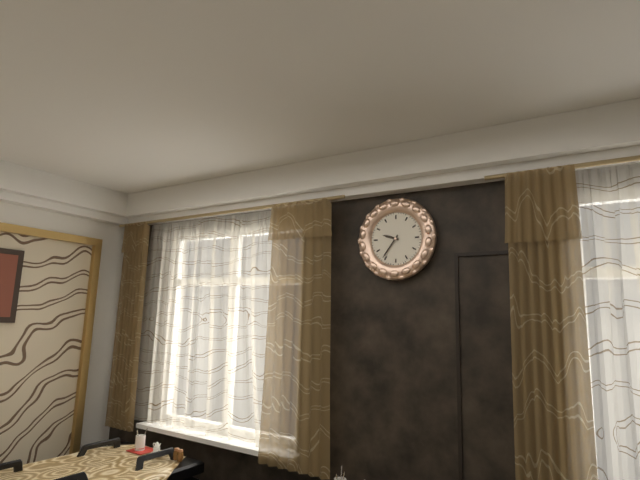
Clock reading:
**9:36**
